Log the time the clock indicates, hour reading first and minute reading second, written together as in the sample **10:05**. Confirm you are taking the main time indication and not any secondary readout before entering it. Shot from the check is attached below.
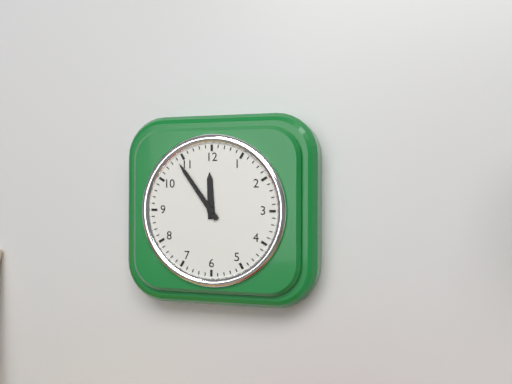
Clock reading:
**11:54**
